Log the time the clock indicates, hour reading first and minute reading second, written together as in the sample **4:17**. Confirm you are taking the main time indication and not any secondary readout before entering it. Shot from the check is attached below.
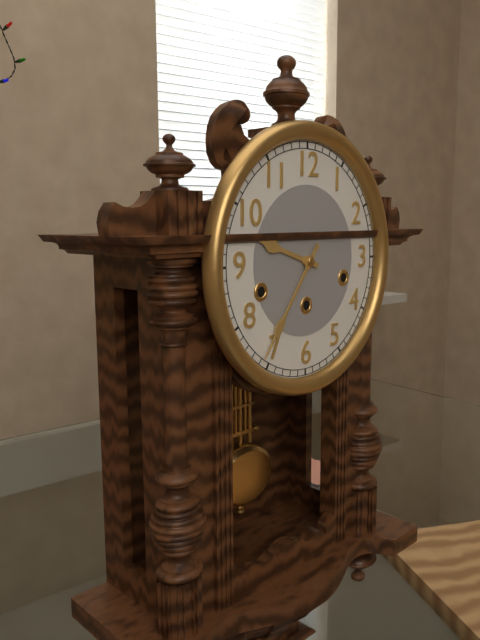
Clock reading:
**9:36**
